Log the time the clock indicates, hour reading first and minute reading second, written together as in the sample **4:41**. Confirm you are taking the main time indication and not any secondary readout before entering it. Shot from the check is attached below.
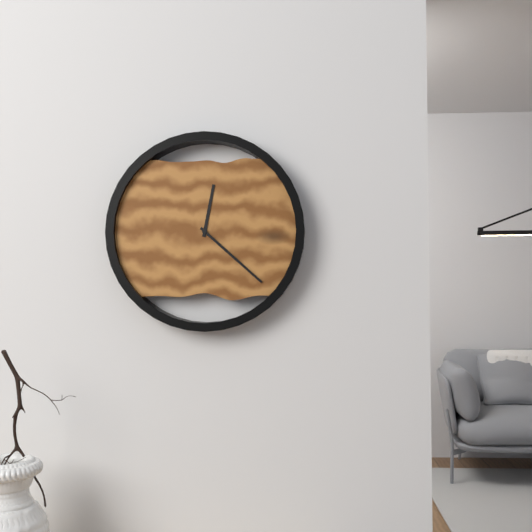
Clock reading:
**12:22**
